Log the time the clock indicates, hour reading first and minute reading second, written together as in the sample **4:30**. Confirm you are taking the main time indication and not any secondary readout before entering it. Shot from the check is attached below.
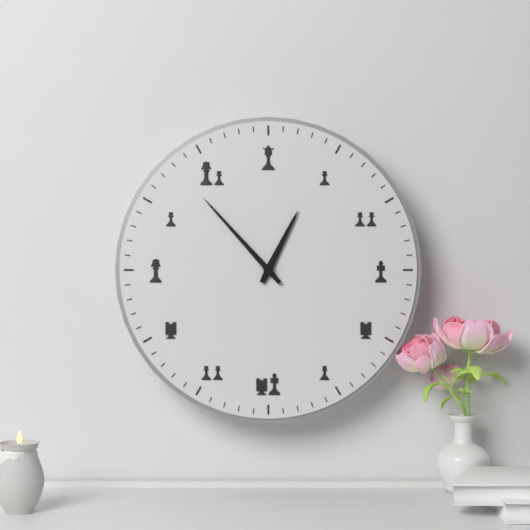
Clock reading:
**12:53**
